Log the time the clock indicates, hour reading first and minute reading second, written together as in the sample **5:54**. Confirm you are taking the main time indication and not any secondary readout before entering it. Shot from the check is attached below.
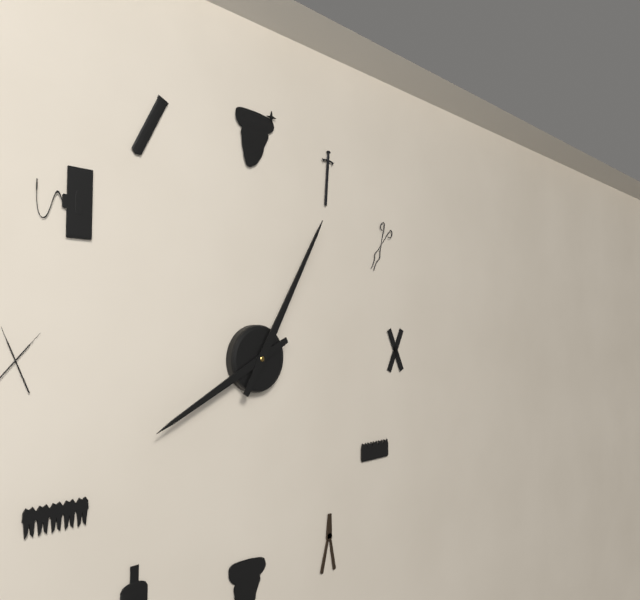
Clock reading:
**8:05**
